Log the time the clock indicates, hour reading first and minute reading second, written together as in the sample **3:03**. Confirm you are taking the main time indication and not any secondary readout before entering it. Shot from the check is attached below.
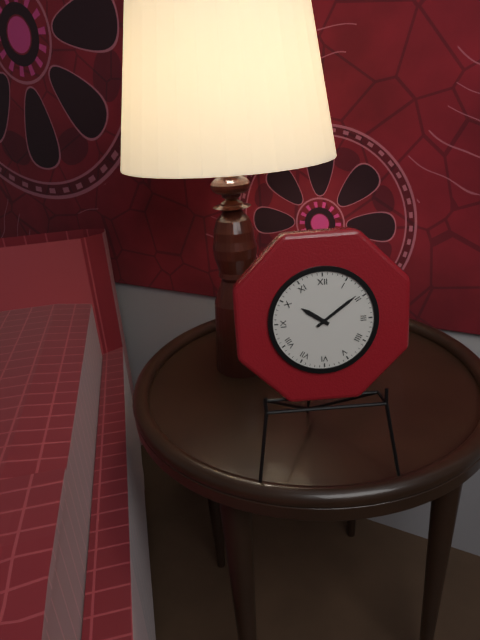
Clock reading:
**10:09**
